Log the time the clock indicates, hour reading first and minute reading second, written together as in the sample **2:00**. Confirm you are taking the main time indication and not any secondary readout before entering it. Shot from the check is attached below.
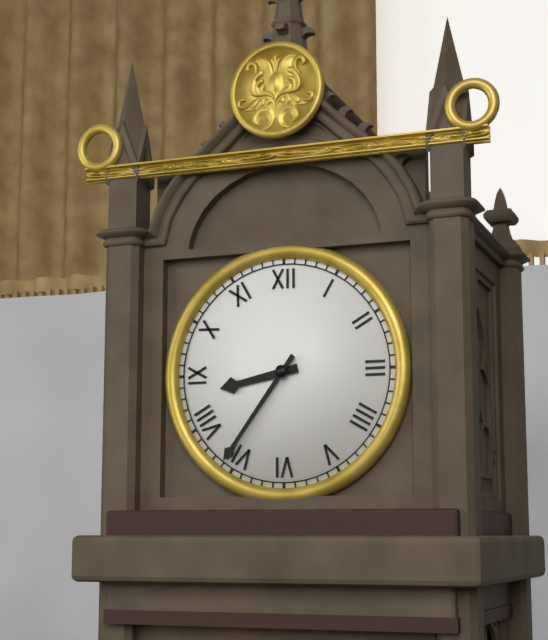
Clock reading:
**8:36**
